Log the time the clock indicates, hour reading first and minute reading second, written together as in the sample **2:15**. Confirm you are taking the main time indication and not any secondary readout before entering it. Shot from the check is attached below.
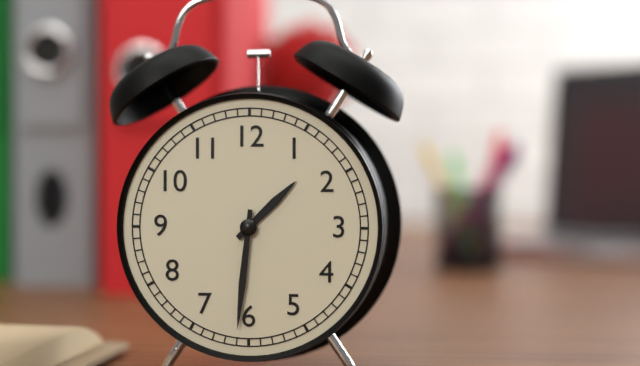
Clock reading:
**1:31**
